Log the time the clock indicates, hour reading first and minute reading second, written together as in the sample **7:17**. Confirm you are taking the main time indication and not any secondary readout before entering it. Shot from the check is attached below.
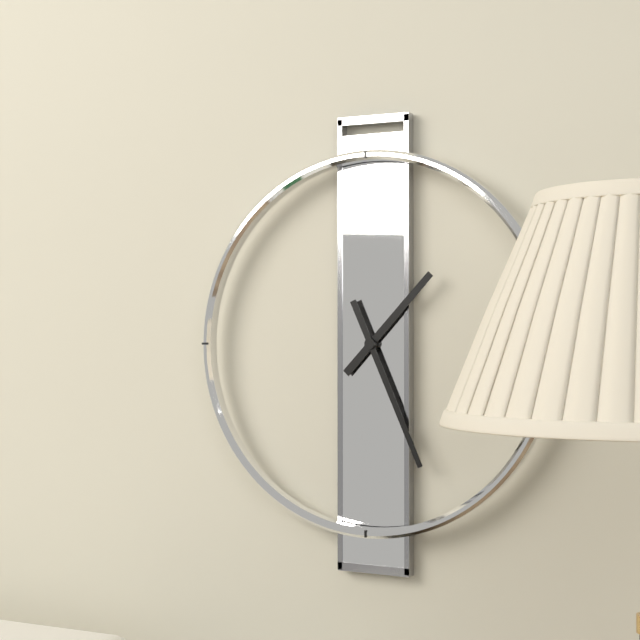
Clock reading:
**1:26**
